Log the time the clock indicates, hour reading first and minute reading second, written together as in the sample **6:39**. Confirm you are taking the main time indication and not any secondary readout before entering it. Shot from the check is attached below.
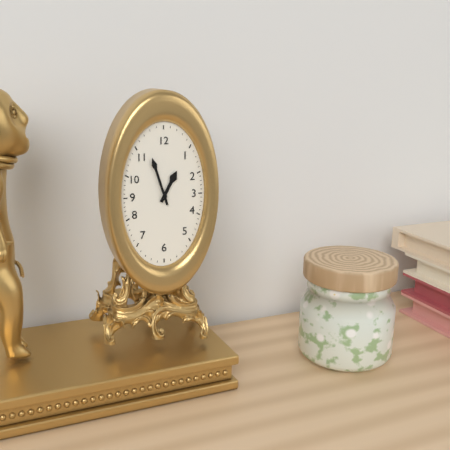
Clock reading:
**12:57**
